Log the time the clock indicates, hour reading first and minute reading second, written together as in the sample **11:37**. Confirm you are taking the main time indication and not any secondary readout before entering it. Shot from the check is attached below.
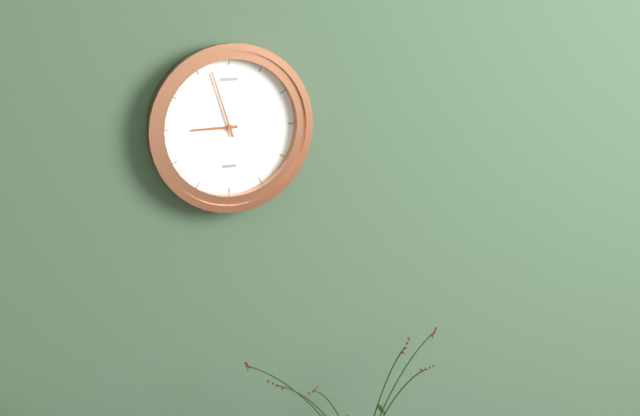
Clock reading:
**8:57**
